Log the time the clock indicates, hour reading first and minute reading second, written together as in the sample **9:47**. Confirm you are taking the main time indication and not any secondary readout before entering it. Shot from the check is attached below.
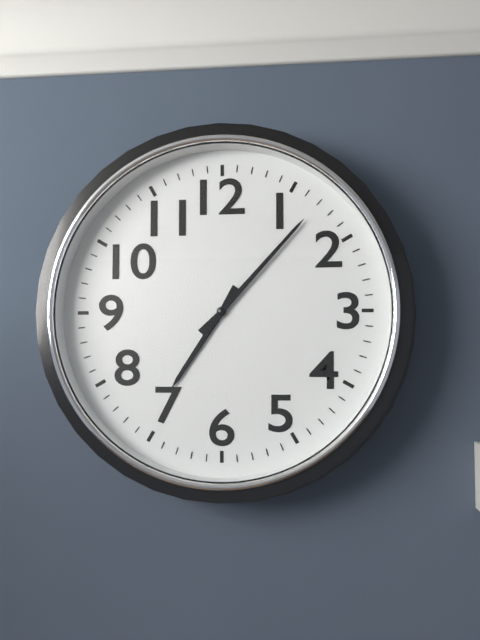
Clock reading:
**7:07**
